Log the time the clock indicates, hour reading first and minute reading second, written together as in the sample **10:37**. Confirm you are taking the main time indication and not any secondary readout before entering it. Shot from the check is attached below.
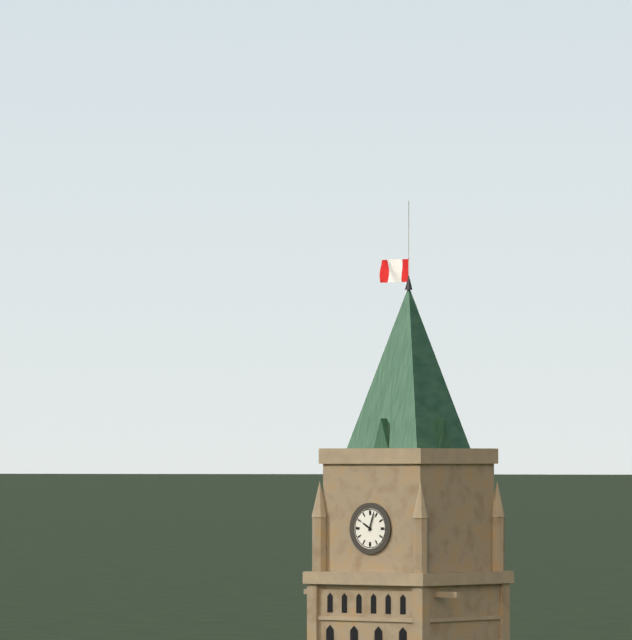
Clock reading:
**10:03**
